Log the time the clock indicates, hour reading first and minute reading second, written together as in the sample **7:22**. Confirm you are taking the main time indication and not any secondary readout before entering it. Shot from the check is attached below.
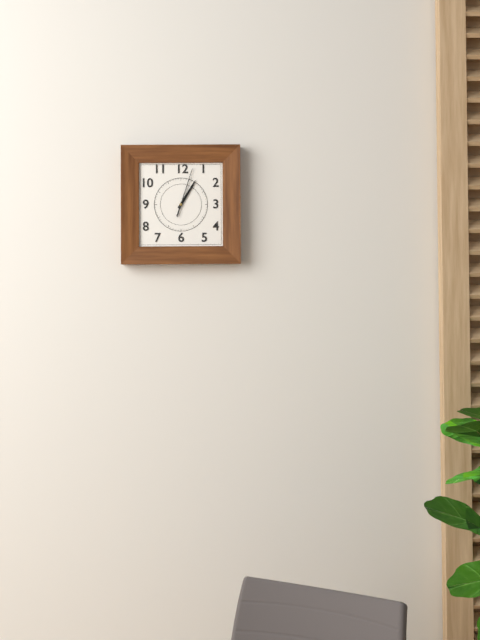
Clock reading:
**1:03**
